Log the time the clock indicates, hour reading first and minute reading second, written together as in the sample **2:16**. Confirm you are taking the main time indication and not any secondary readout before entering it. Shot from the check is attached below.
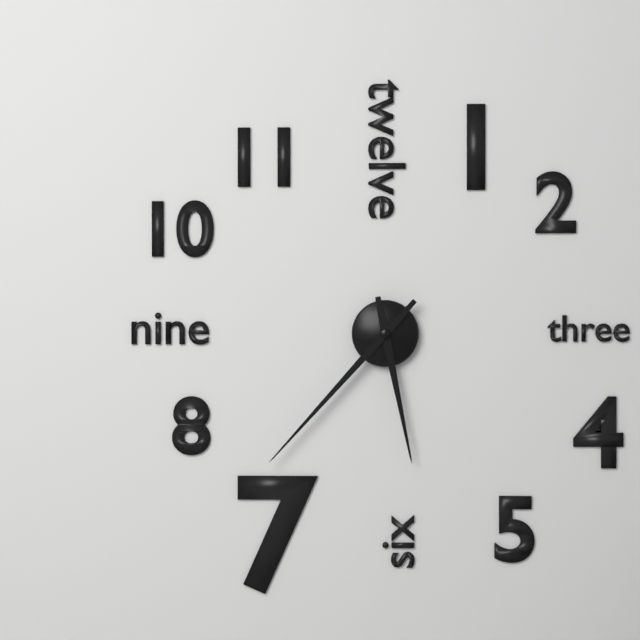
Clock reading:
**5:37**
